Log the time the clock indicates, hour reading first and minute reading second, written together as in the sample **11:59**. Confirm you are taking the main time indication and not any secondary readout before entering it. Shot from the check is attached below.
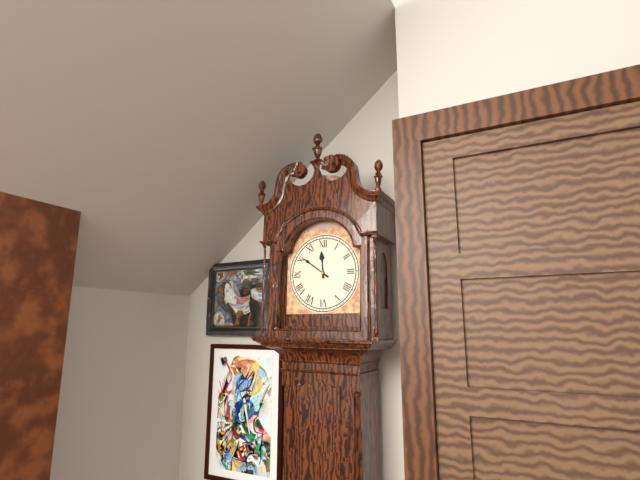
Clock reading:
**11:51**
